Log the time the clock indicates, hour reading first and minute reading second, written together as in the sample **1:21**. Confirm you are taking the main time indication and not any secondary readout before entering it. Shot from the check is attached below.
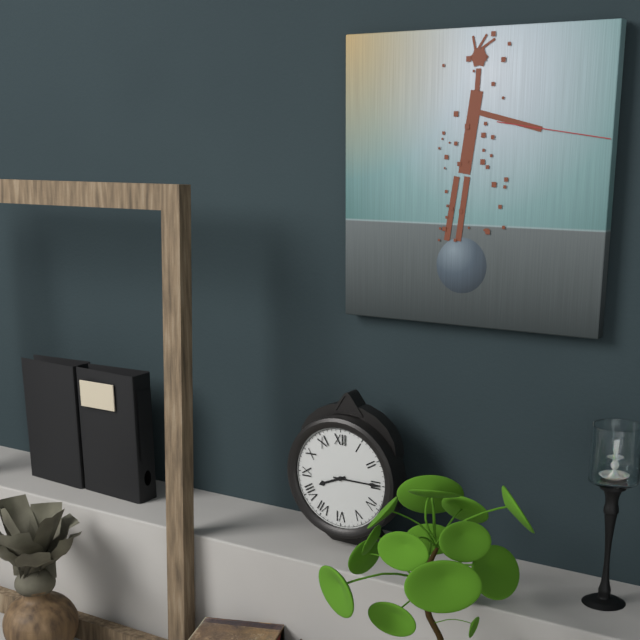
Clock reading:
**8:15**
